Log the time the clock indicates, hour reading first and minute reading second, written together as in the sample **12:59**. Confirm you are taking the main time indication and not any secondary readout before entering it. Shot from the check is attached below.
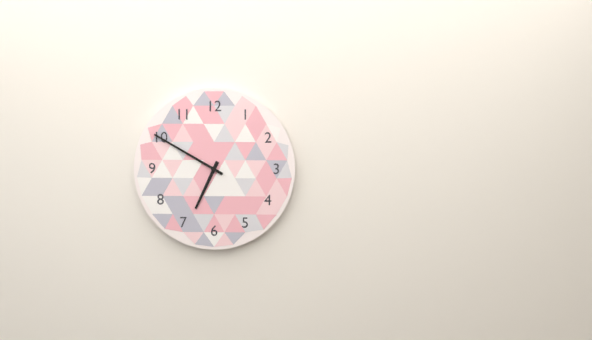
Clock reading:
**6:50**
